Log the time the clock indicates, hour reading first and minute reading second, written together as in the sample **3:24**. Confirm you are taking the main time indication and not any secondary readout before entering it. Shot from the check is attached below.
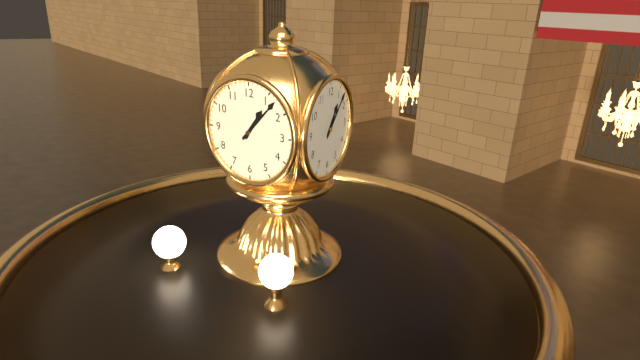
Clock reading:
**1:07**
